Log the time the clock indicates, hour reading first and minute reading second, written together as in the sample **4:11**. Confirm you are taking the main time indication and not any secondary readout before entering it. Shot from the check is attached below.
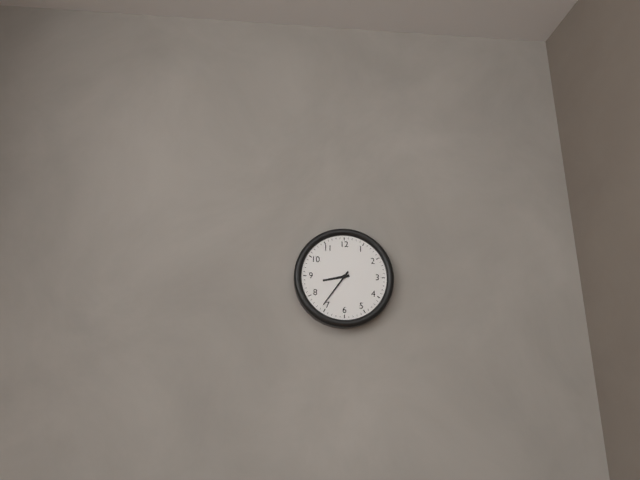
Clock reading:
**8:36**
